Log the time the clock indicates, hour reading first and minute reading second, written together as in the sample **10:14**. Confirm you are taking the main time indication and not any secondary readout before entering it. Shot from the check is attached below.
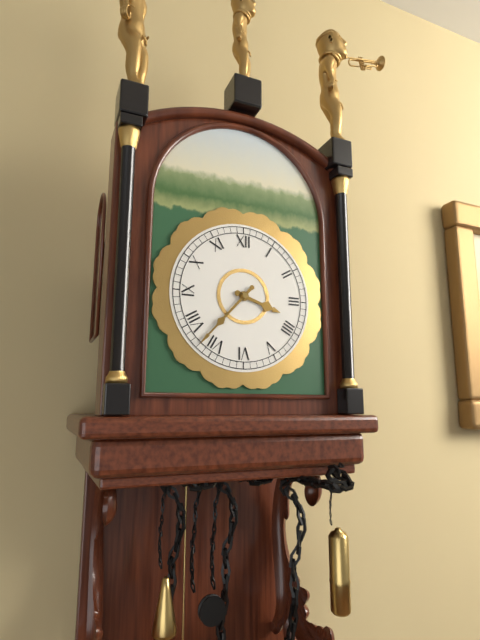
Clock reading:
**3:37**
